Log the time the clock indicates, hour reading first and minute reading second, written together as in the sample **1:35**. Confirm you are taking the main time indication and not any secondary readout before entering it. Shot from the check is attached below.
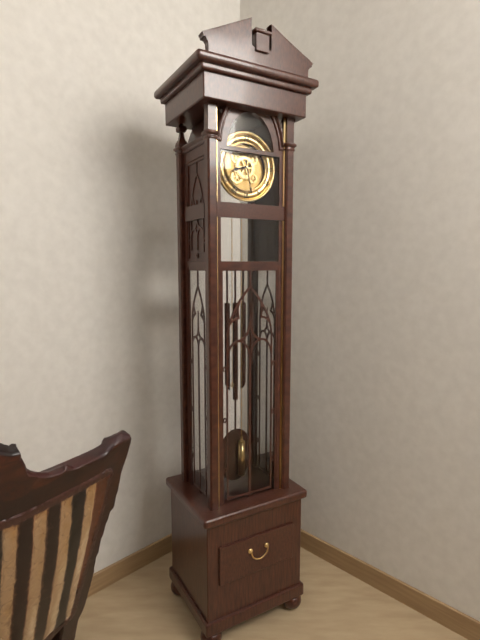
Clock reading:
**8:28**
